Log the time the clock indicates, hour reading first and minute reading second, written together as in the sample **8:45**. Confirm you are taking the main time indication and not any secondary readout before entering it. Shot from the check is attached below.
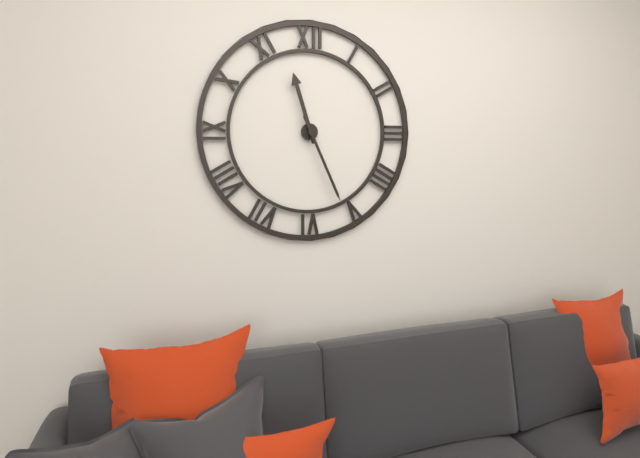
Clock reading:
**11:26**
